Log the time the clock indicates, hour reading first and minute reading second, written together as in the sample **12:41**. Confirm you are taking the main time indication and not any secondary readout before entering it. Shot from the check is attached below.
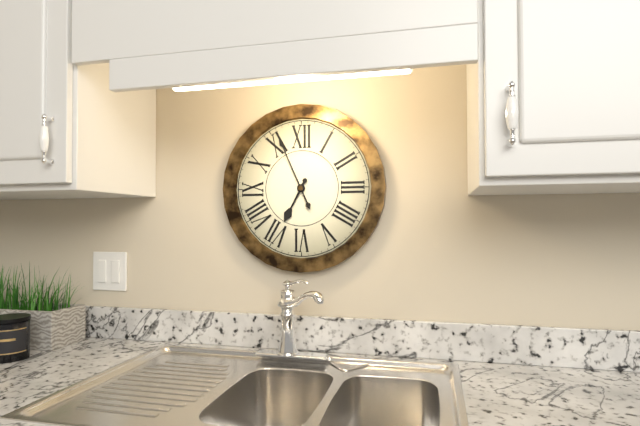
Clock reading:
**6:56**
